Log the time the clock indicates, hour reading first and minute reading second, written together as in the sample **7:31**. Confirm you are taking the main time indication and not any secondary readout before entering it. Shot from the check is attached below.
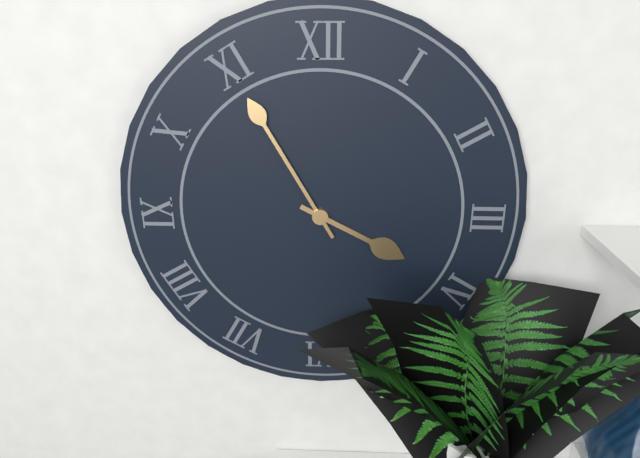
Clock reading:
**3:55**
